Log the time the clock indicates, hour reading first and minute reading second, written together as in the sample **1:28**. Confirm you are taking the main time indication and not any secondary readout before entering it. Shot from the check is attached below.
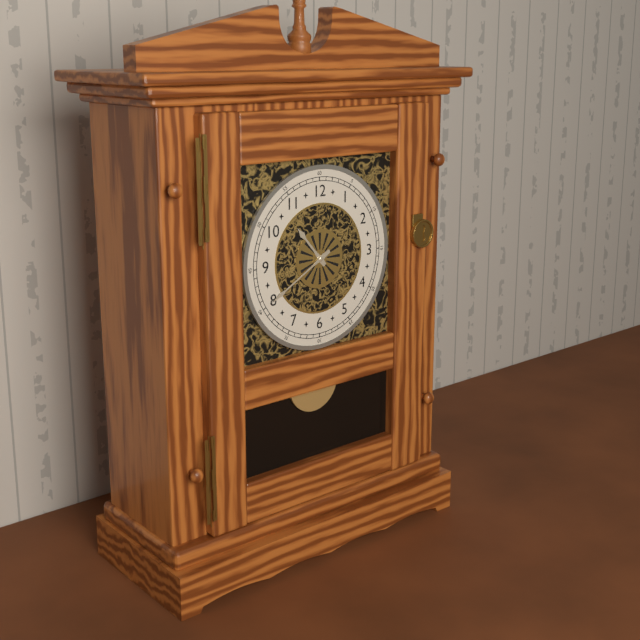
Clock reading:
**10:40**
